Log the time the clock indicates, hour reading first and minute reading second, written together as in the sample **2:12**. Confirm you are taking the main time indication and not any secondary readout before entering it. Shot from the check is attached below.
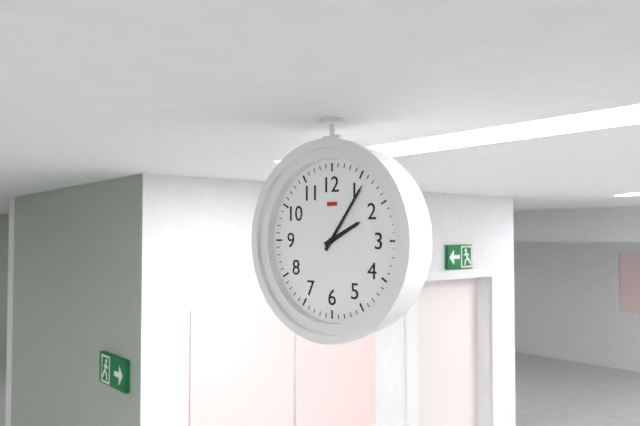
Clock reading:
**2:06**
